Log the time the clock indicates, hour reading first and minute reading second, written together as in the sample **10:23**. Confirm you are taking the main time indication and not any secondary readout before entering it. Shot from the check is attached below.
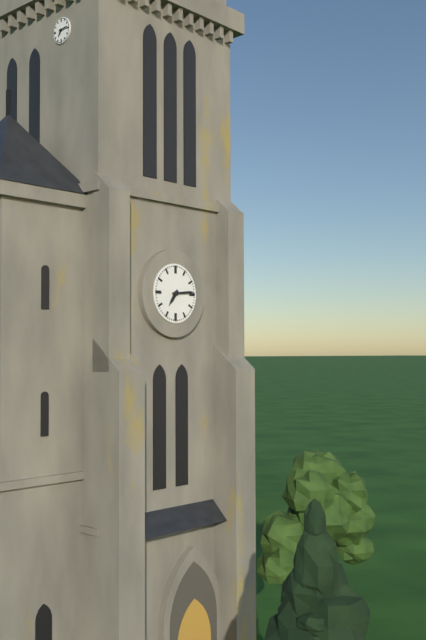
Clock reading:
**7:14**
